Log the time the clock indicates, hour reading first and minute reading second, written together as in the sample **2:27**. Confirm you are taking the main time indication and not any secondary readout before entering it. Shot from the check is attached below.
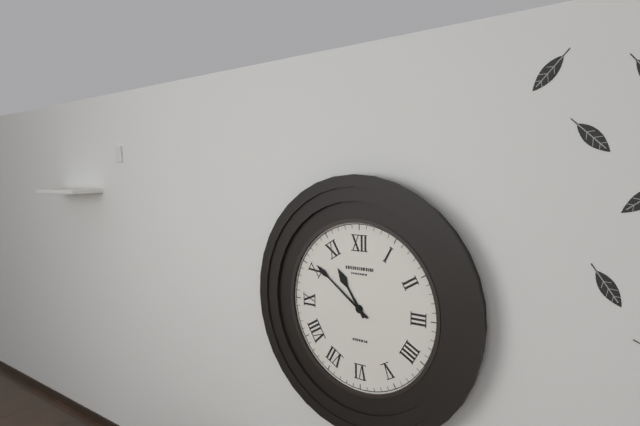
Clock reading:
**10:51**
